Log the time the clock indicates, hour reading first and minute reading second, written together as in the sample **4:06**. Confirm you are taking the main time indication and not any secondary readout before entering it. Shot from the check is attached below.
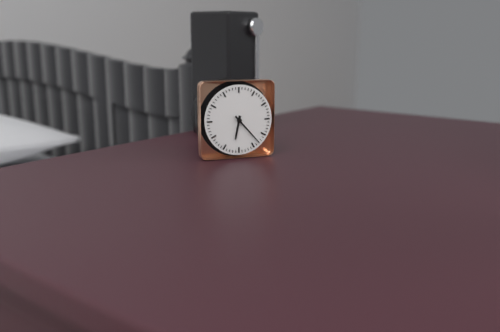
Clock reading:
**6:23**
